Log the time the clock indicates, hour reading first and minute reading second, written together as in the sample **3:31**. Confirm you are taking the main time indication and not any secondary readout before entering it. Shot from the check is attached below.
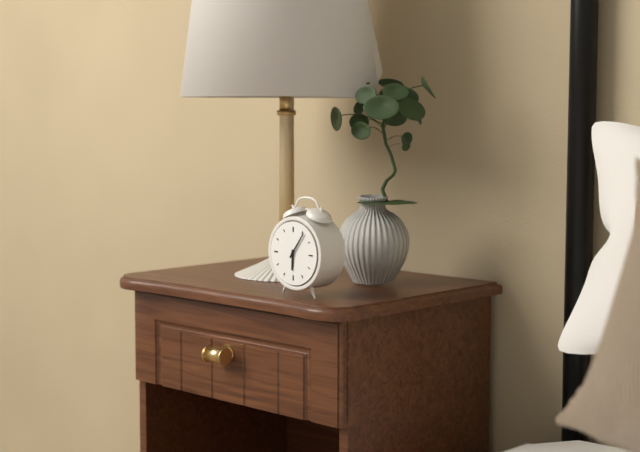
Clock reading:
**6:06**
